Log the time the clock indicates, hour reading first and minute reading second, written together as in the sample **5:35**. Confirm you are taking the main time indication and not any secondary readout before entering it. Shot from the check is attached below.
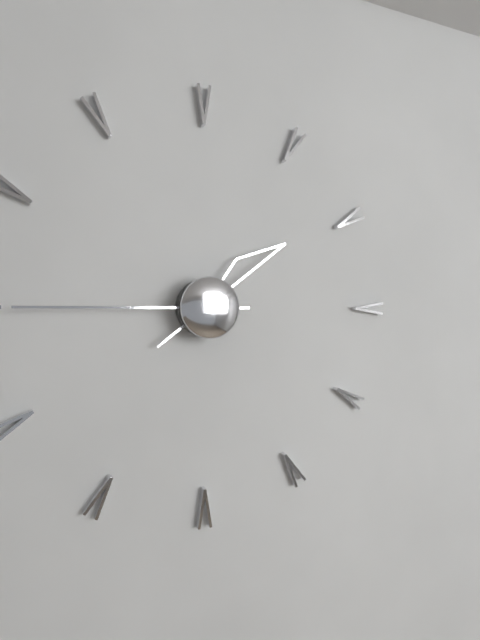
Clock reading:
**1:45**
